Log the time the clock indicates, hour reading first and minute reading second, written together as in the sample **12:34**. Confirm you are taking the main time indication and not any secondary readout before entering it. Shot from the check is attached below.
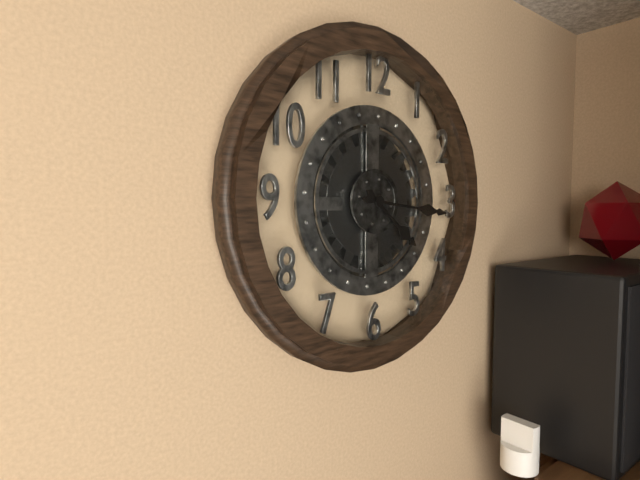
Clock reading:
**4:16**
